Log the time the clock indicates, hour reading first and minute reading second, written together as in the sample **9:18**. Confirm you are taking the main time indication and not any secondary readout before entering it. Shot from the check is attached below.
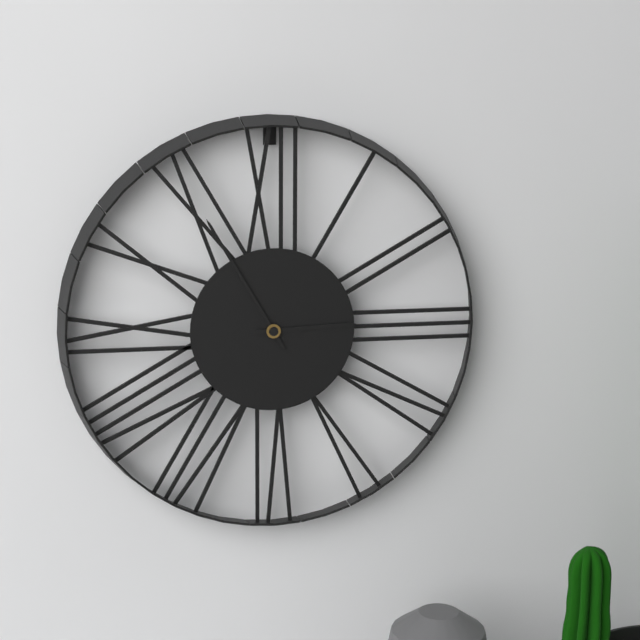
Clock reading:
**2:55**
